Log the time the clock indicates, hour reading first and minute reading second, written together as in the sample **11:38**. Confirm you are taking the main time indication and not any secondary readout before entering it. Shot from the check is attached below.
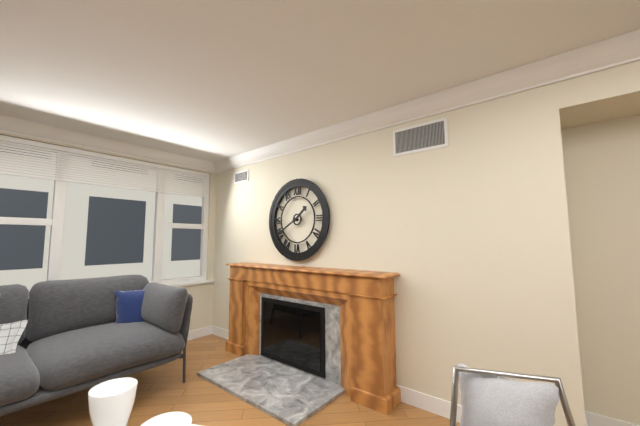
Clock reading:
**1:40**
